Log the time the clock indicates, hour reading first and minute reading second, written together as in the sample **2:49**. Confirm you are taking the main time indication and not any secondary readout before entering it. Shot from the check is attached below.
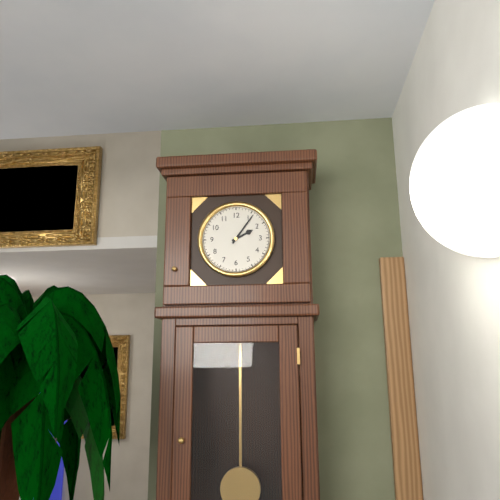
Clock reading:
**2:06**
